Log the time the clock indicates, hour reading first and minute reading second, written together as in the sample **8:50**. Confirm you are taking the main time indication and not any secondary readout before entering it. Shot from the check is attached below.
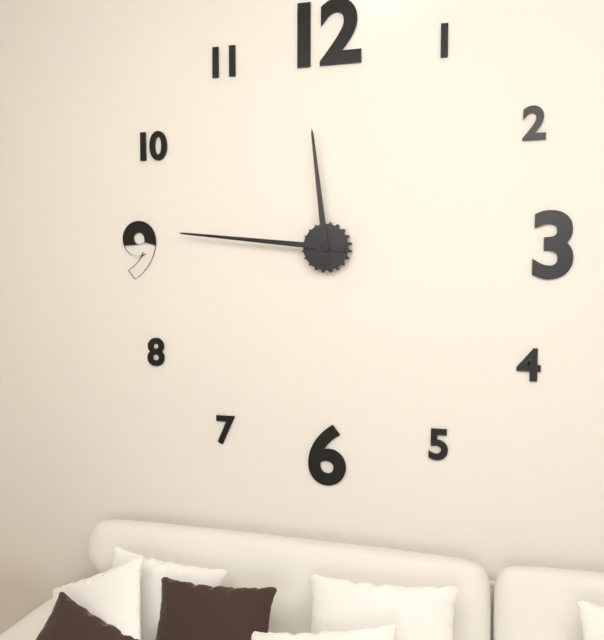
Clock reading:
**11:46**
